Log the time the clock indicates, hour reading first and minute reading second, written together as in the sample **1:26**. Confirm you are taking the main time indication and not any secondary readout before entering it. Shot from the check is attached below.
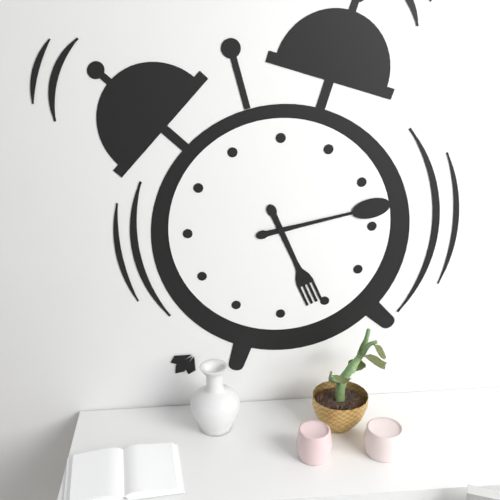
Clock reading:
**5:13**
